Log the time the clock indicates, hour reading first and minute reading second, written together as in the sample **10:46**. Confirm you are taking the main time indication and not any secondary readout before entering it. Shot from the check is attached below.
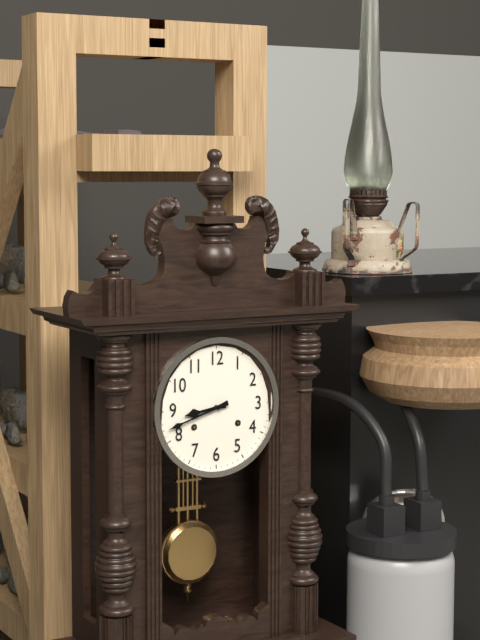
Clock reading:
**8:42**
